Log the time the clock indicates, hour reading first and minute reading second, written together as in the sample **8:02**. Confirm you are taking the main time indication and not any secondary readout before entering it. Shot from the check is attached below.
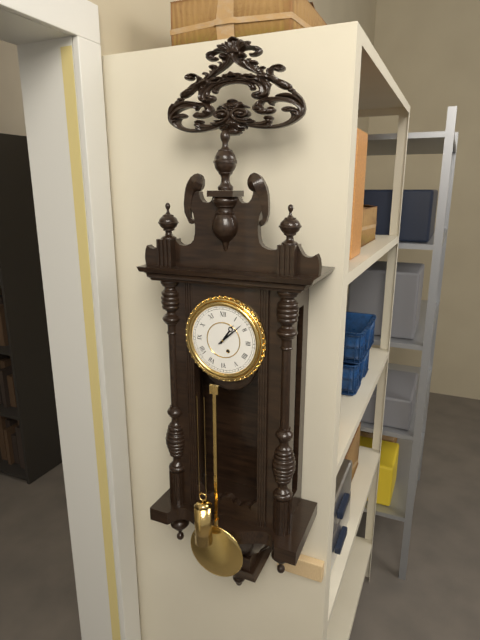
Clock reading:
**1:08**
